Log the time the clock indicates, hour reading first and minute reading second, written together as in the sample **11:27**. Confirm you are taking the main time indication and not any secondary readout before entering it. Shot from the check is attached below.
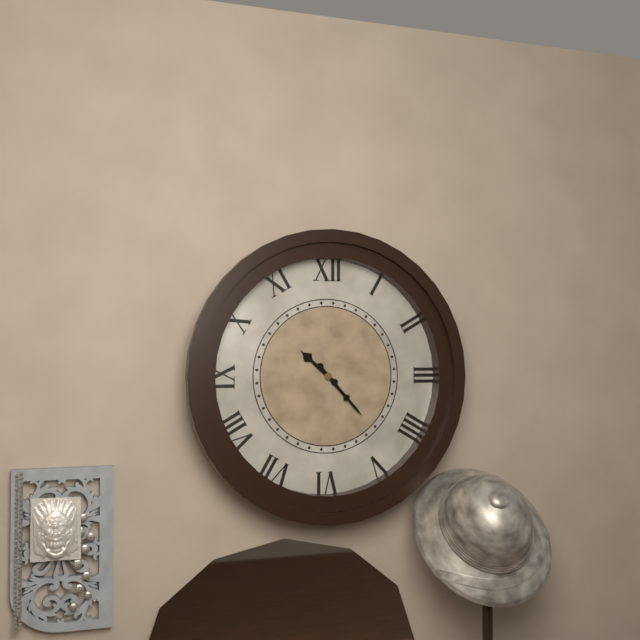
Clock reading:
**10:23**
